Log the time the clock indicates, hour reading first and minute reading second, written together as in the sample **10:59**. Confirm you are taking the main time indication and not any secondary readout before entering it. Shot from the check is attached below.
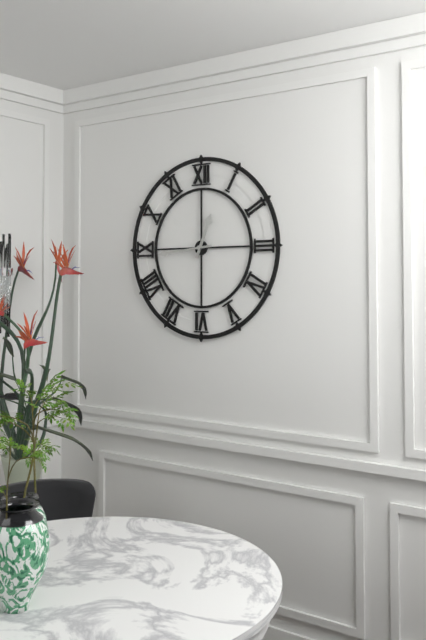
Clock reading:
**12:44**
